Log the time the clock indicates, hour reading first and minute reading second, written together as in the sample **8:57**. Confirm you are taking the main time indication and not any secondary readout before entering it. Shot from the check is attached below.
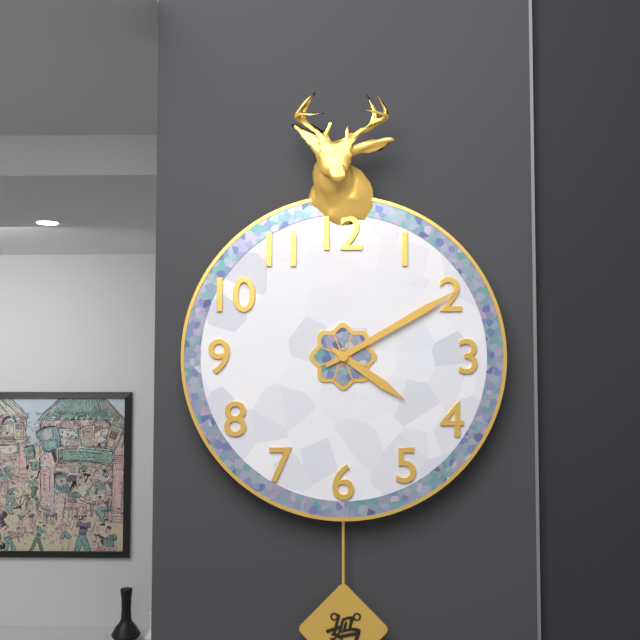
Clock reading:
**4:10**
